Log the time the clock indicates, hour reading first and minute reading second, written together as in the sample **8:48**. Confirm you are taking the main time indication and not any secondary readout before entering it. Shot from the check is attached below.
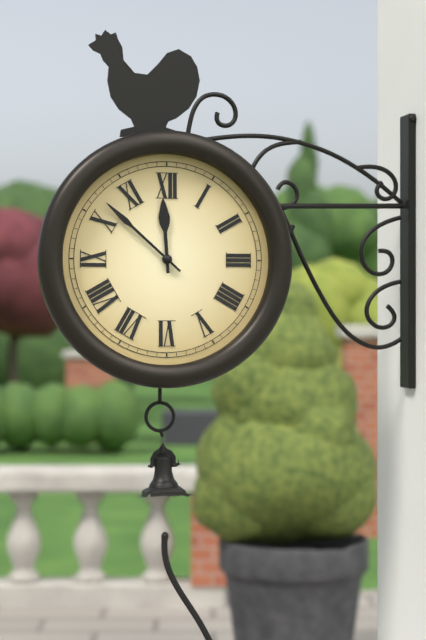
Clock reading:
**11:52**
